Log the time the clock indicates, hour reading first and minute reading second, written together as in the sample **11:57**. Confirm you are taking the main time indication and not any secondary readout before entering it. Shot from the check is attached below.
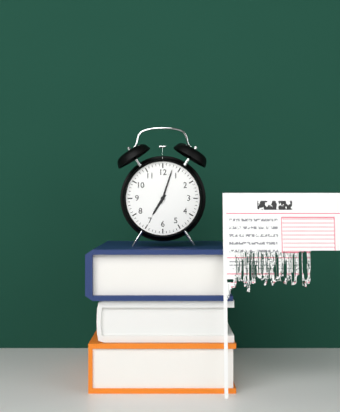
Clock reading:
**7:03**
